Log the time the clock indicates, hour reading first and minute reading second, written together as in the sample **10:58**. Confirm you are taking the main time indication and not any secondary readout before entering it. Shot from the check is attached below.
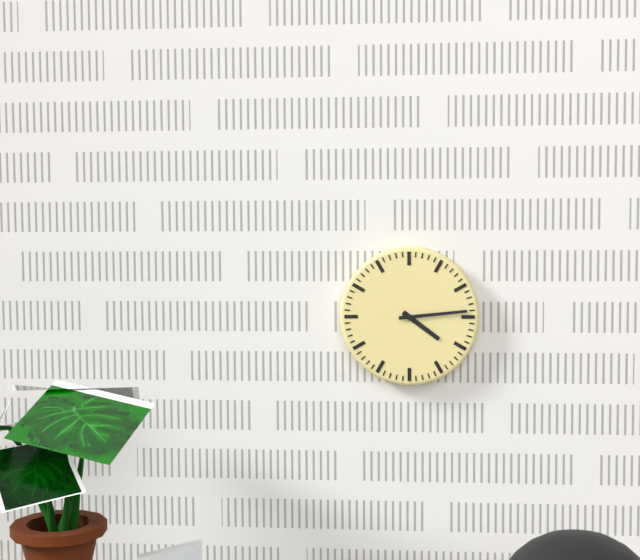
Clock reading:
**4:14**
